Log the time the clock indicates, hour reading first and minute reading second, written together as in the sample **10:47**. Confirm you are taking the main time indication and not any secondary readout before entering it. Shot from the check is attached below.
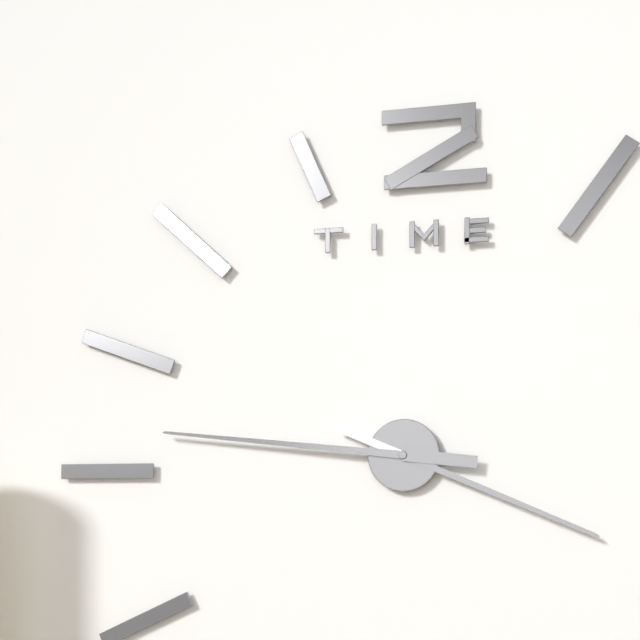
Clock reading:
**3:46**
